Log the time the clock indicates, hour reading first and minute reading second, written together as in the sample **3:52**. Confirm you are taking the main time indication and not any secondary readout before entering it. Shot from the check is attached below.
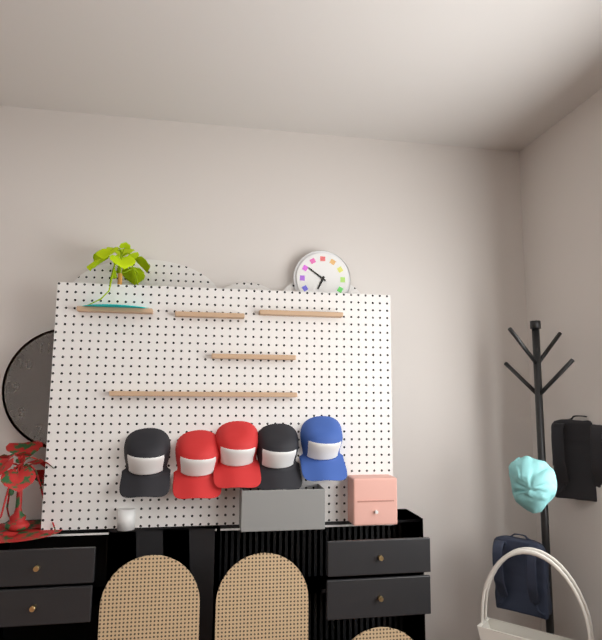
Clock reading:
**6:51**
